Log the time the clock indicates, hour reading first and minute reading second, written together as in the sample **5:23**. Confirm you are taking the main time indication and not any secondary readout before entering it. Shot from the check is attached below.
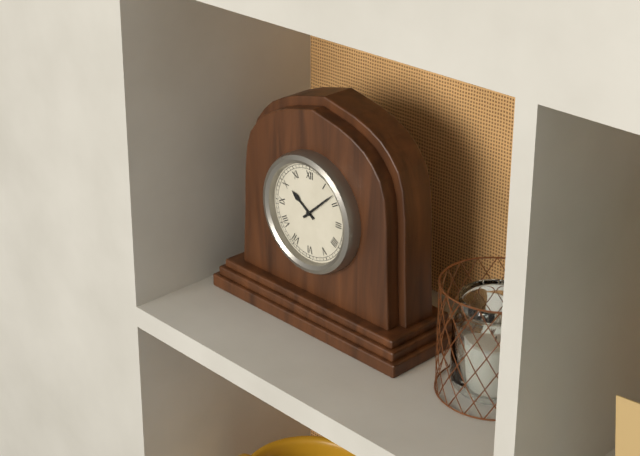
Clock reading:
**10:08**
